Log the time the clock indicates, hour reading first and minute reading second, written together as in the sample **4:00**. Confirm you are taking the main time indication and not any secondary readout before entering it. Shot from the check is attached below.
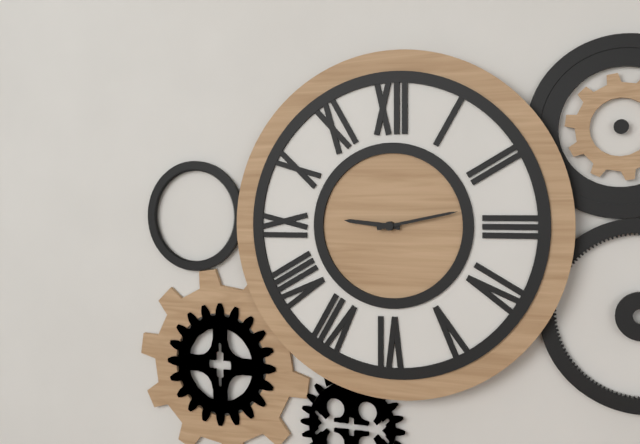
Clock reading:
**9:13**
